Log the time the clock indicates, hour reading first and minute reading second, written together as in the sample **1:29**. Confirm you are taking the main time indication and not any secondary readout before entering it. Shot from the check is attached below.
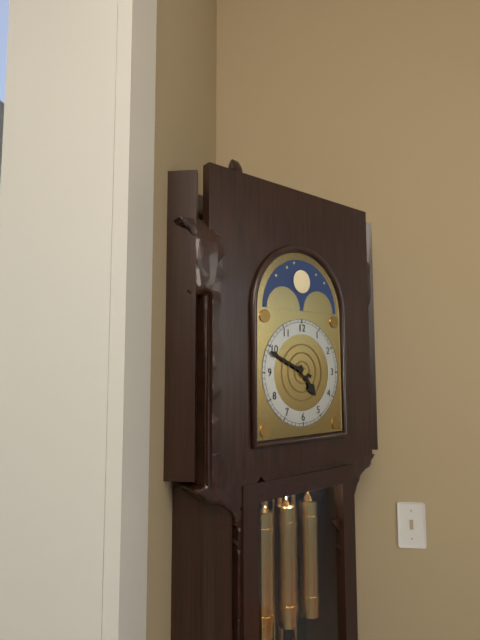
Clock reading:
**4:49**
